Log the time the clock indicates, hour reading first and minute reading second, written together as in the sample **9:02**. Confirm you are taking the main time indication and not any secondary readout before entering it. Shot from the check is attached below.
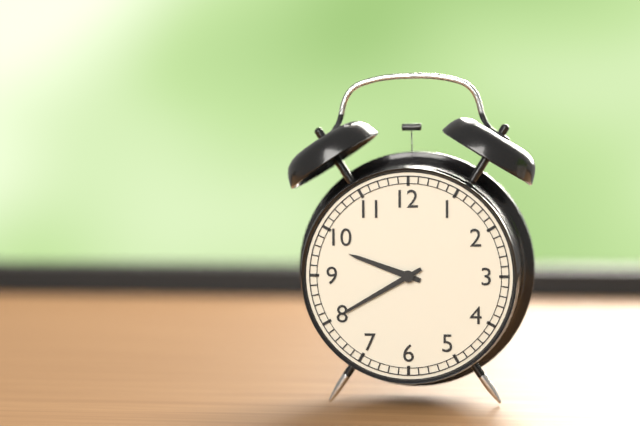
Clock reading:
**9:40**
